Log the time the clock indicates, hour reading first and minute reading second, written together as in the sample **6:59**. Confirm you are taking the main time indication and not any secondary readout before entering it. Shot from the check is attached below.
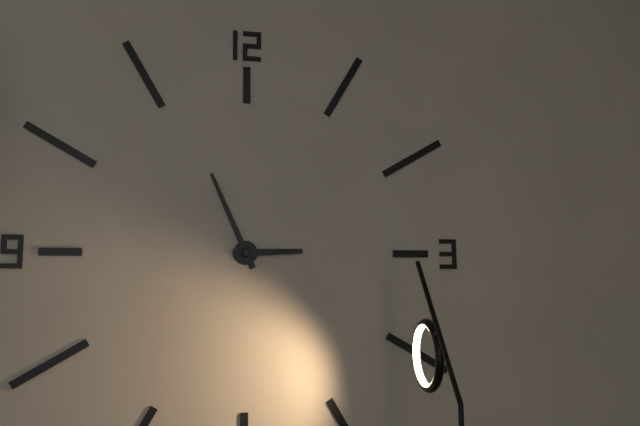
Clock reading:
**2:56**
